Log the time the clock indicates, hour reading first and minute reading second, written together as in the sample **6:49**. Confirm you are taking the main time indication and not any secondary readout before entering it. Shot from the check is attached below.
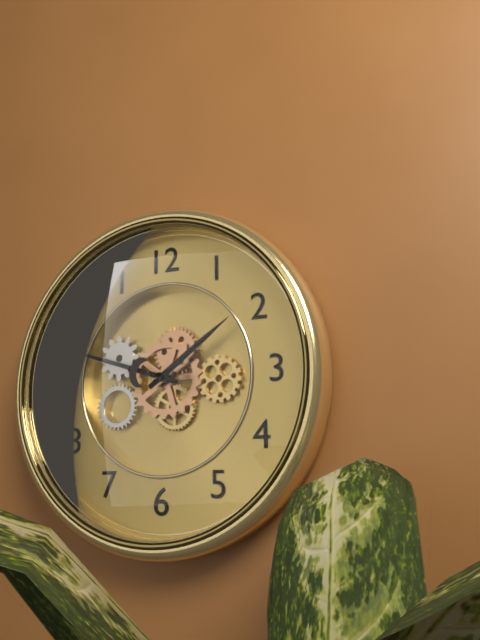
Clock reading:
**1:48**
